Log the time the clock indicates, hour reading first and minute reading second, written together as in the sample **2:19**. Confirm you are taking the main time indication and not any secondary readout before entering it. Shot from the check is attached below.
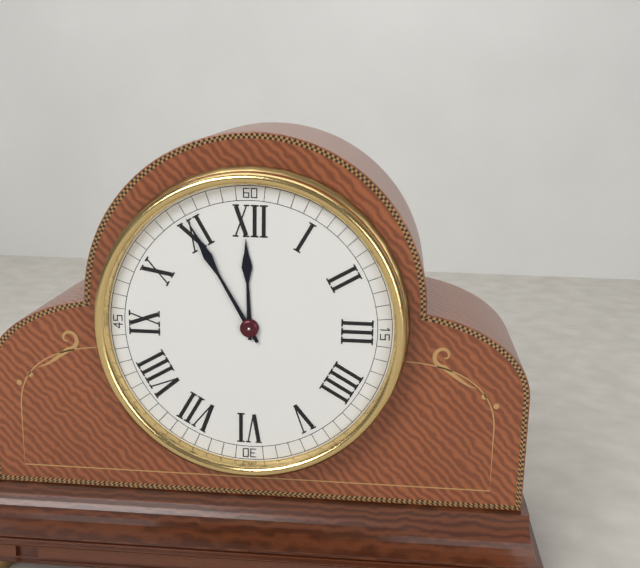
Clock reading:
**11:55**
